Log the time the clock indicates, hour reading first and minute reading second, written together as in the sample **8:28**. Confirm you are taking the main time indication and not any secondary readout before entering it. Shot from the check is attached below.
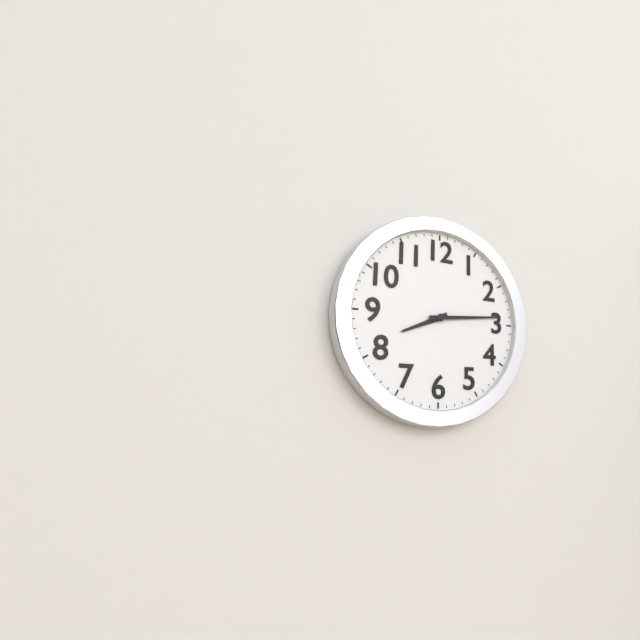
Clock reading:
**8:14**
